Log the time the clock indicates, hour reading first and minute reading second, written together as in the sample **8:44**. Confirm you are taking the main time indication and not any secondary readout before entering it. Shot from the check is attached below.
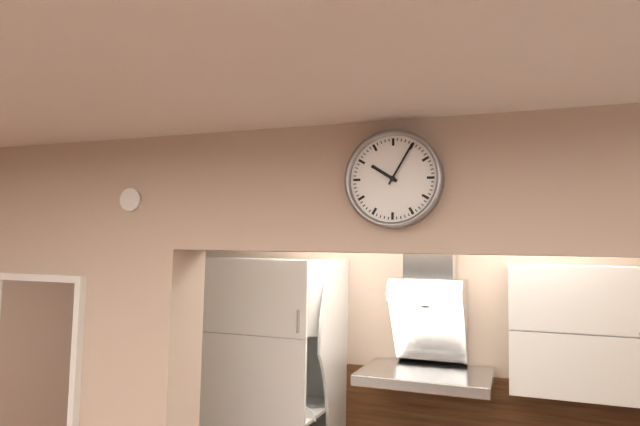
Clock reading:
**10:05**
